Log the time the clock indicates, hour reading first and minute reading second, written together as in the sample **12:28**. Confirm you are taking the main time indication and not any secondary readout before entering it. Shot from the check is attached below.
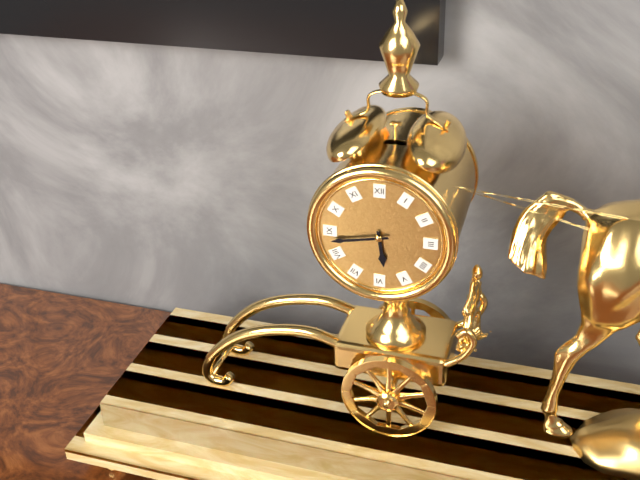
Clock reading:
**5:43**
